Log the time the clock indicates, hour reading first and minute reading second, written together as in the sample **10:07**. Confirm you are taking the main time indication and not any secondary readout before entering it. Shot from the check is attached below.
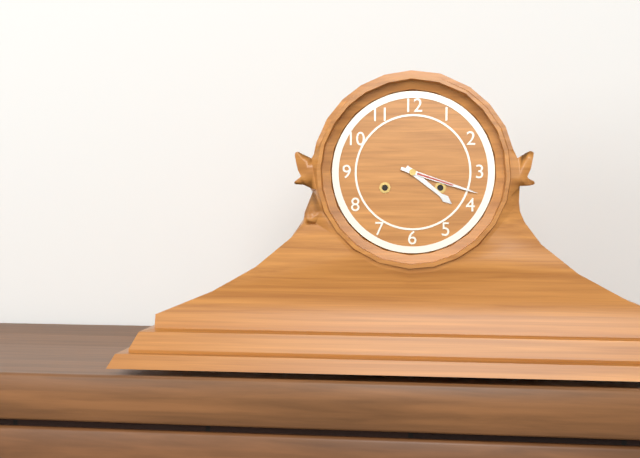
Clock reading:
**4:18**
